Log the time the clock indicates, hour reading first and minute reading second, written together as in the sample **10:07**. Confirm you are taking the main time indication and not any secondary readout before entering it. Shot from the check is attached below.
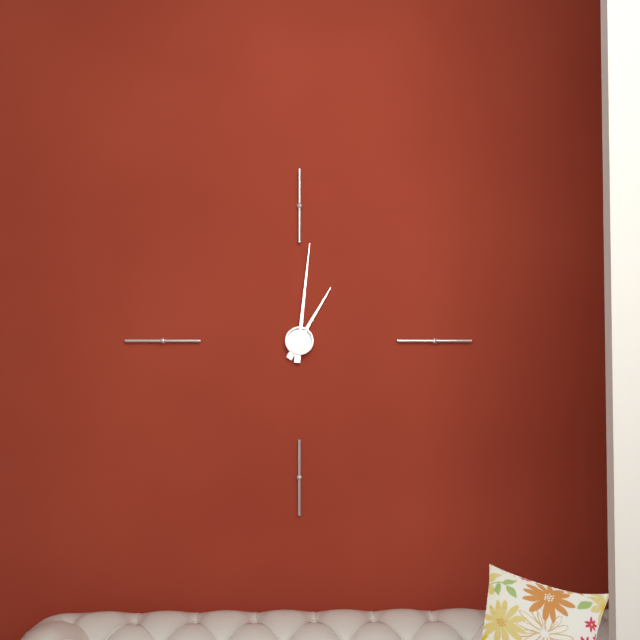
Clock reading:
**1:01**
